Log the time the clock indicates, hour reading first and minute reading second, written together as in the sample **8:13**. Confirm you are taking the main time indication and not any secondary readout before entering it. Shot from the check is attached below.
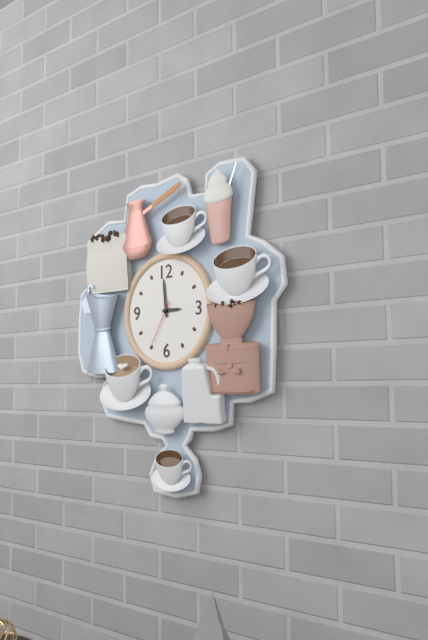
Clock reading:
**2:59**
